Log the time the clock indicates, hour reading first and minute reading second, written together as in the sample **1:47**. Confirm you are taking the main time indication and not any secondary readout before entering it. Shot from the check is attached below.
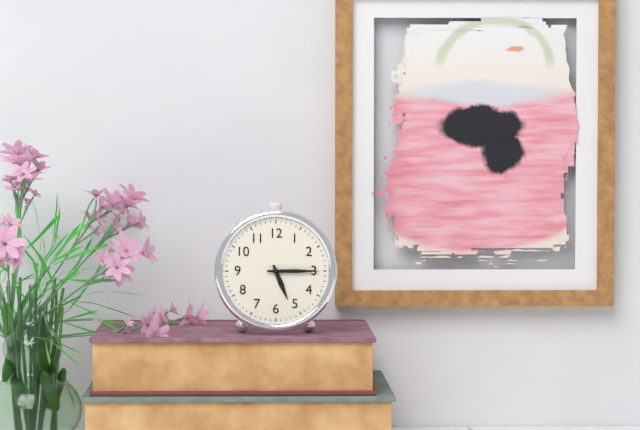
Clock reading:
**5:15**
